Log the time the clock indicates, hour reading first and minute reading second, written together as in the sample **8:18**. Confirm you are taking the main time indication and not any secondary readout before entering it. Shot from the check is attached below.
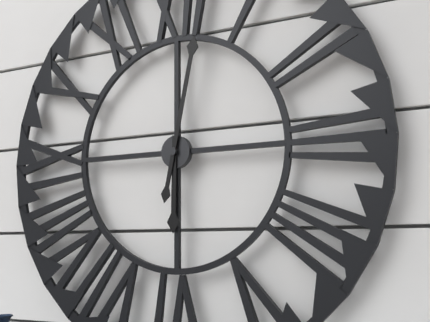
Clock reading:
**6:02**
